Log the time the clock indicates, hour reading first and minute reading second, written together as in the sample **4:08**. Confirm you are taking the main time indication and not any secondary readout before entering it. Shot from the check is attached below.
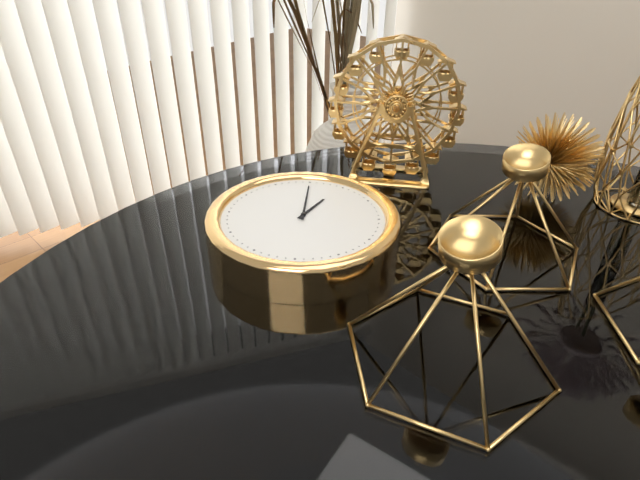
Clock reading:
**11:55**
